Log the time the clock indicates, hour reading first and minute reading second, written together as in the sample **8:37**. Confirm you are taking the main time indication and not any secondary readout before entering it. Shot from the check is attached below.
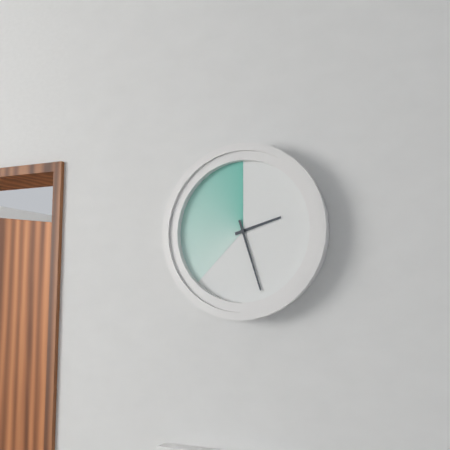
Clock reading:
**2:27**
